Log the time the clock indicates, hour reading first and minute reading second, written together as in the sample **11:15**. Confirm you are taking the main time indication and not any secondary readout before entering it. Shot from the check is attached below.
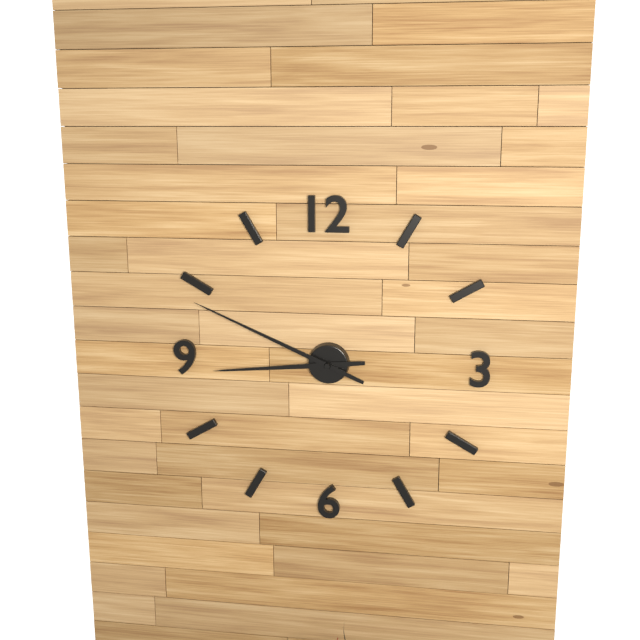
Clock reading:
**8:49**
